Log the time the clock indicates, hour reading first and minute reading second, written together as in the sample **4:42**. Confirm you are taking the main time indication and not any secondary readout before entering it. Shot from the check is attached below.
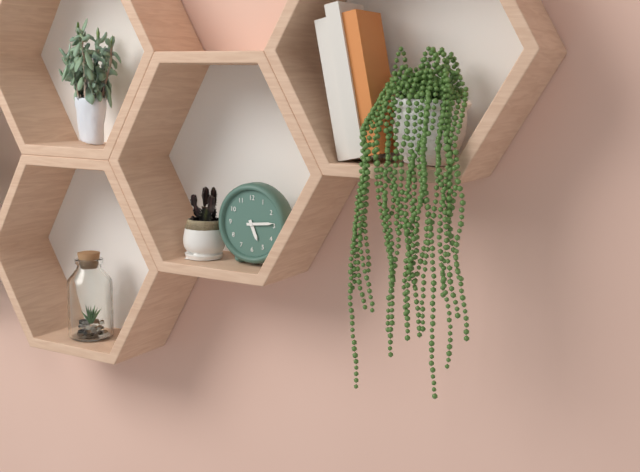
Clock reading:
**5:14**
